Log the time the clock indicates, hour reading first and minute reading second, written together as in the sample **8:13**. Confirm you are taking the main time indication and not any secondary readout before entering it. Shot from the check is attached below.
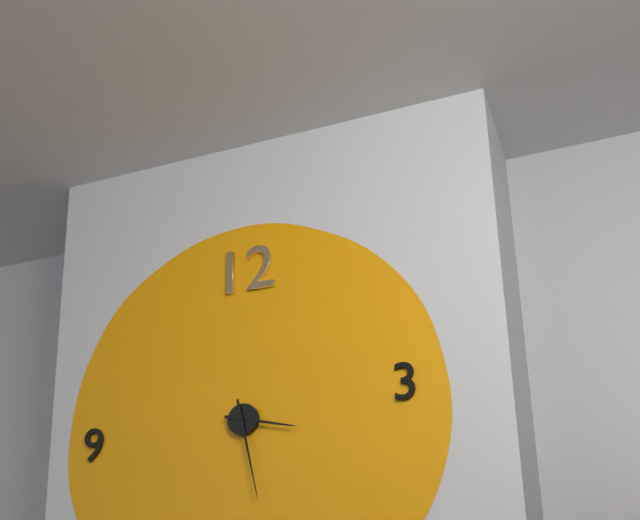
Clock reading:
**3:28**
